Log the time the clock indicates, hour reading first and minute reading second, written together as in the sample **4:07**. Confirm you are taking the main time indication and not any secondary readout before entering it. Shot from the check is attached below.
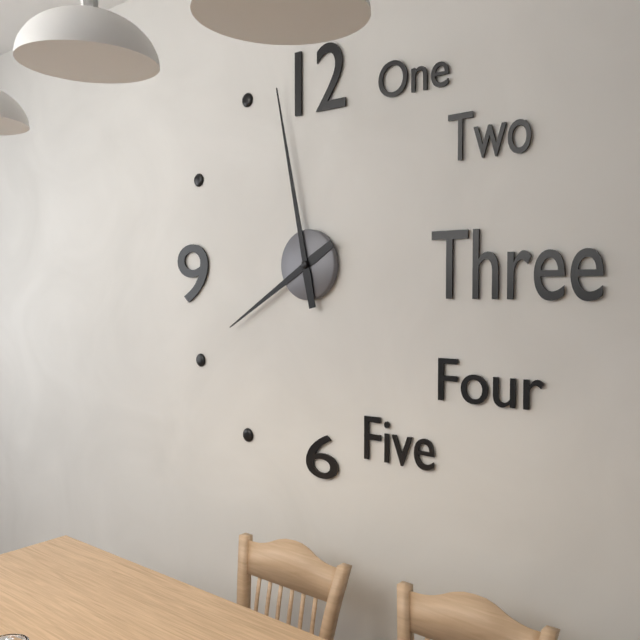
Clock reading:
**7:58**
